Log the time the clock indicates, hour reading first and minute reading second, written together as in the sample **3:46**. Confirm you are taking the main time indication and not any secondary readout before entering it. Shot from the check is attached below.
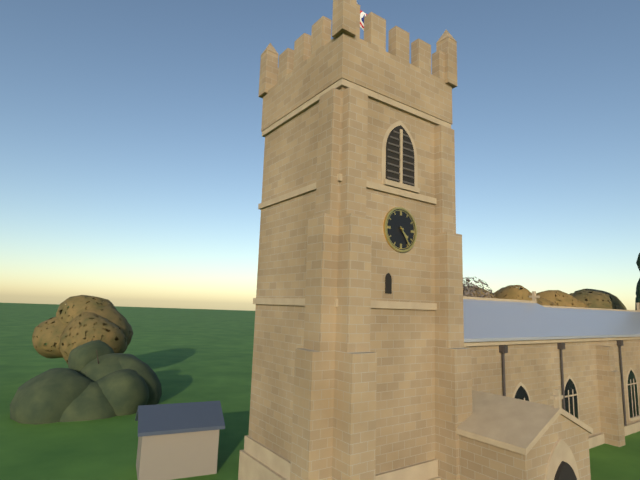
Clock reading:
**4:24**
